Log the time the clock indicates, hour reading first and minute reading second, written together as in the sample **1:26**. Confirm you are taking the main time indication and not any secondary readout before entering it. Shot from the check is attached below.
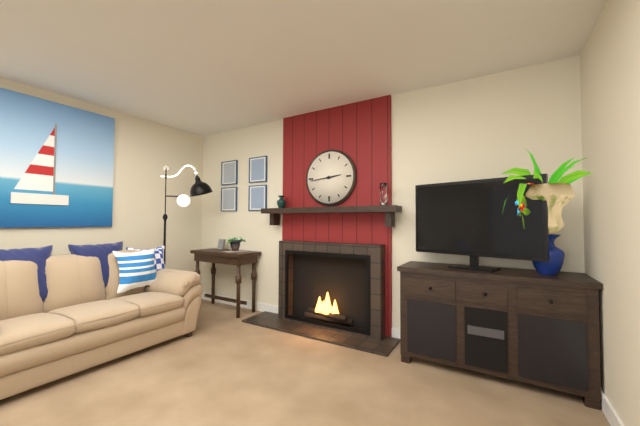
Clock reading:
**2:44**
